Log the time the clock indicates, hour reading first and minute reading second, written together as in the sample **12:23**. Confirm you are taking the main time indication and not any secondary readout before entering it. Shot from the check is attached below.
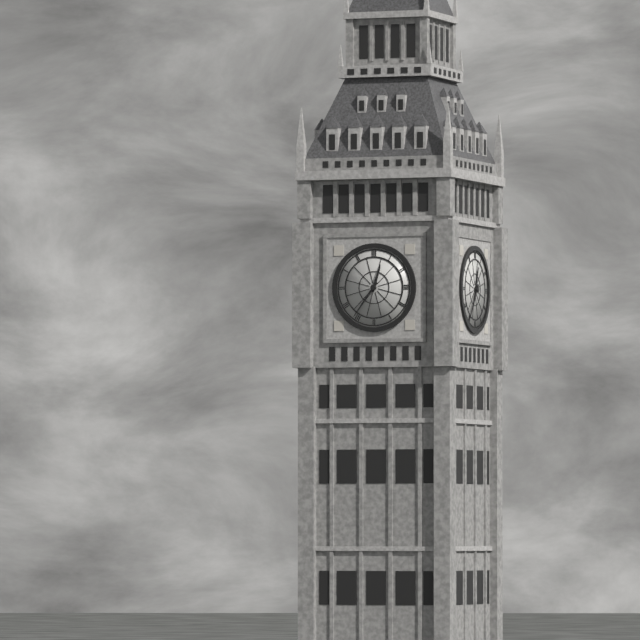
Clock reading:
**12:36**
